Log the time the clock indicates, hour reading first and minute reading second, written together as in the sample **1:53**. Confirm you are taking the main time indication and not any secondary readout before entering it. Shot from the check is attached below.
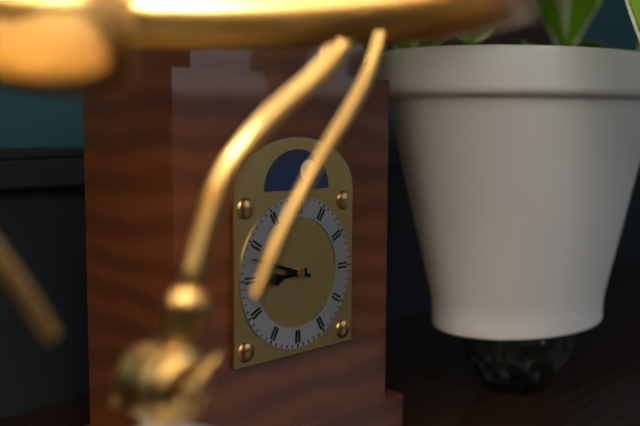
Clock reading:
**8:48**
